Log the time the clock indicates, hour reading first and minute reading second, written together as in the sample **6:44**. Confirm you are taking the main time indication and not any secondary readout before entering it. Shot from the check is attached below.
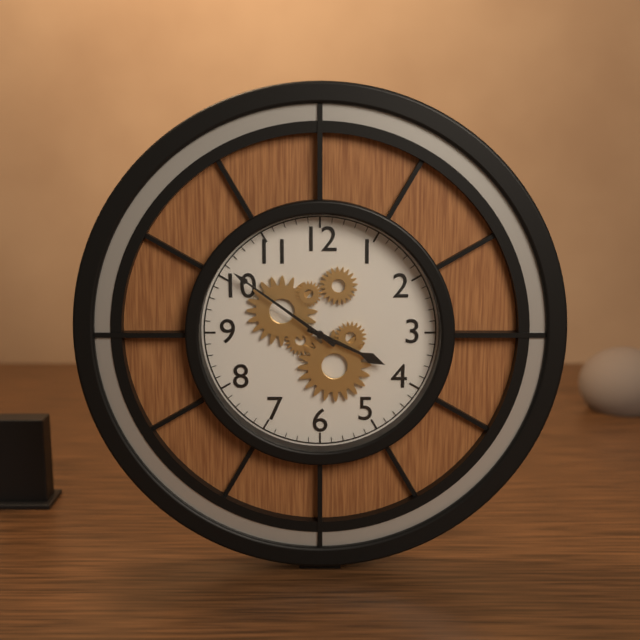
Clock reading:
**3:51**
